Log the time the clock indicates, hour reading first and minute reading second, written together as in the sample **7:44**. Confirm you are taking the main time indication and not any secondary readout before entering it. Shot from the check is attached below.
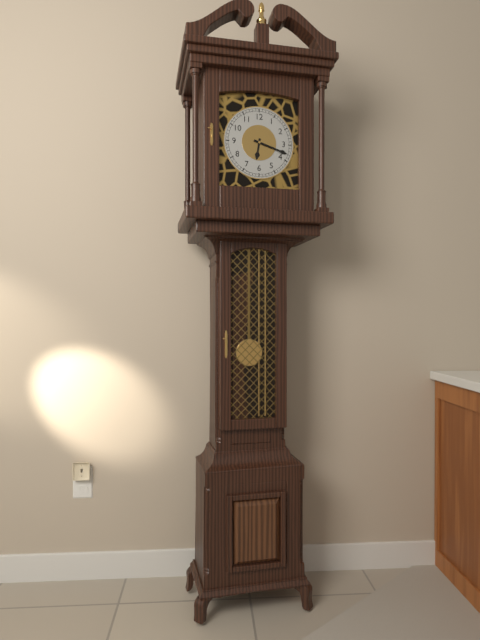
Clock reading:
**6:18**
